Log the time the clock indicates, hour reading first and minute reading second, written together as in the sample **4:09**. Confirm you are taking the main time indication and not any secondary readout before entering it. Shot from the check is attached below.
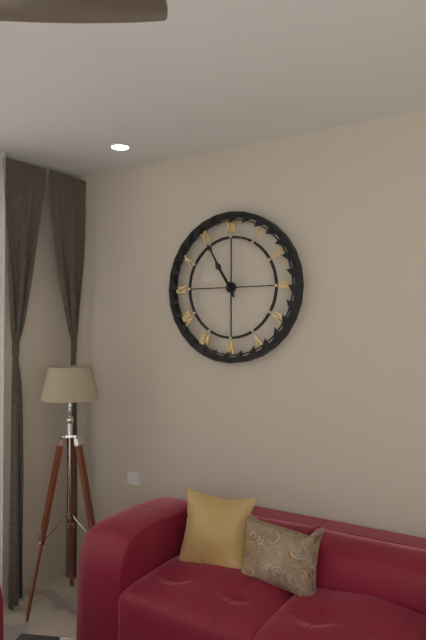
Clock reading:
**10:55**
